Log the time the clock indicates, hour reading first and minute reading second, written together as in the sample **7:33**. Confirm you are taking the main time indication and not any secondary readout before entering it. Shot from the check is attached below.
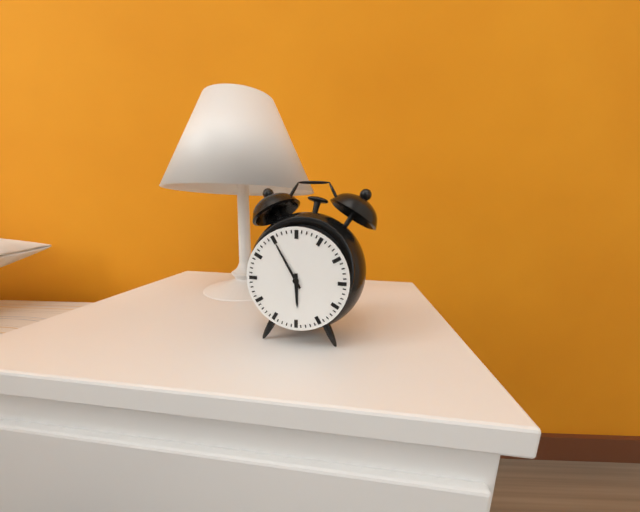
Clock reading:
**5:55**
